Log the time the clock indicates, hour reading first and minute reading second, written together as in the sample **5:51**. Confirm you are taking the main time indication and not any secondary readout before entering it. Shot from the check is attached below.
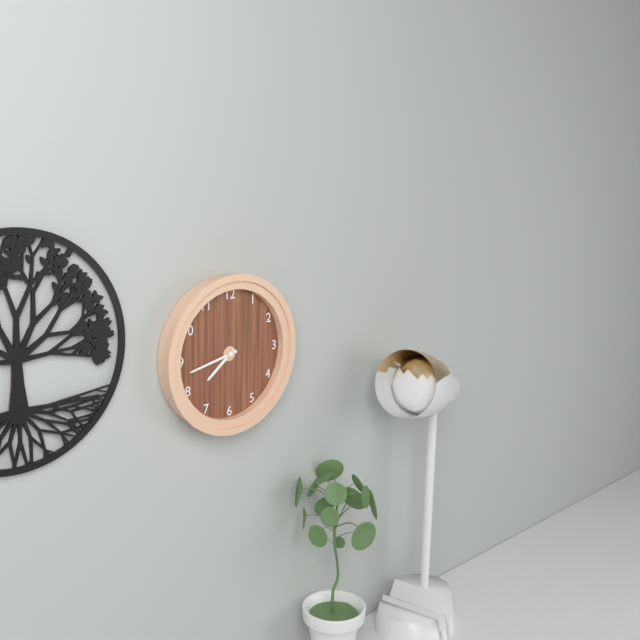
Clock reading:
**7:43**
